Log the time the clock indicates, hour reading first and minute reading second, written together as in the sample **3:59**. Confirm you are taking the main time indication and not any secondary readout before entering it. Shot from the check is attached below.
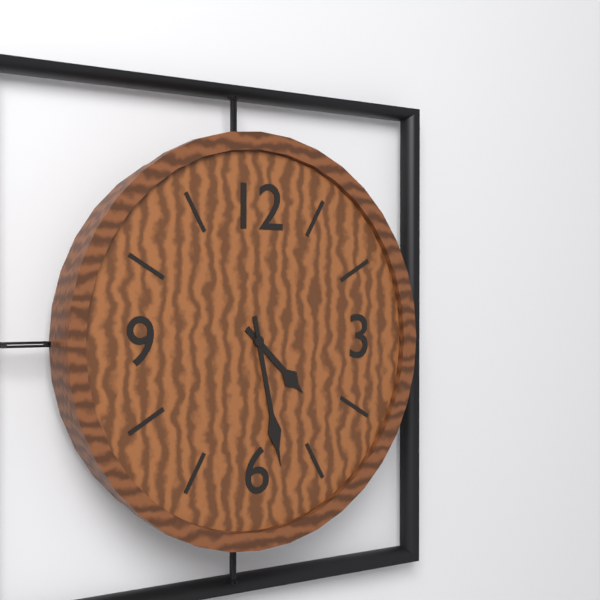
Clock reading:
**4:28**
